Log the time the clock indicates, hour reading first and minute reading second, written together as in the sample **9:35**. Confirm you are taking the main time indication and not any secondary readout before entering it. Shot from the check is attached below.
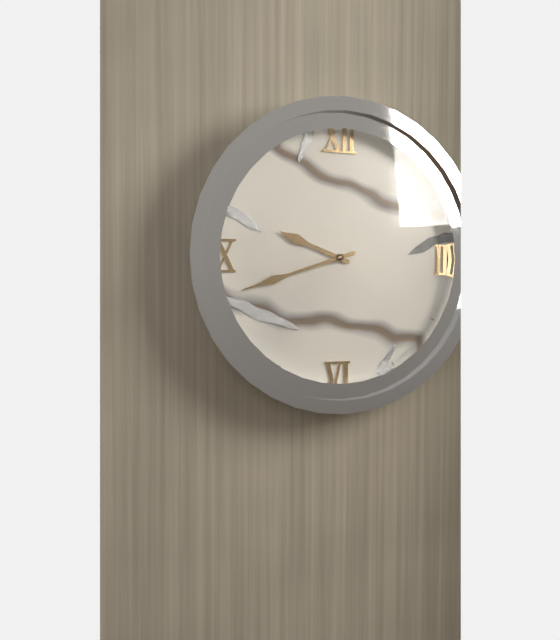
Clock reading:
**9:42**
